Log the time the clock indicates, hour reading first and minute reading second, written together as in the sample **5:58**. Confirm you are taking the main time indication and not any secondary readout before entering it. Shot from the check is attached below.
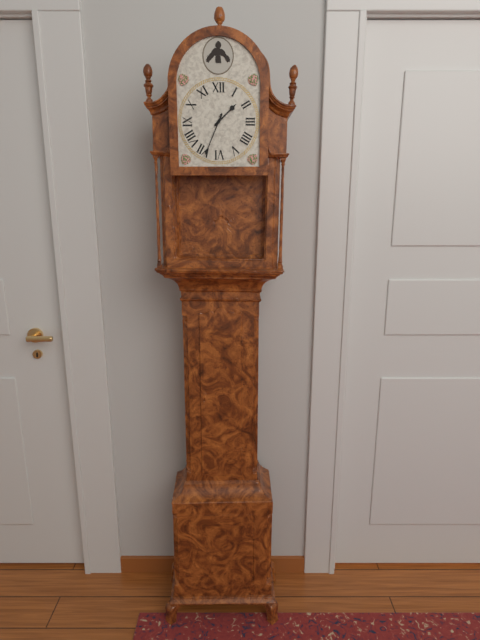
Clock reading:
**1:34**
